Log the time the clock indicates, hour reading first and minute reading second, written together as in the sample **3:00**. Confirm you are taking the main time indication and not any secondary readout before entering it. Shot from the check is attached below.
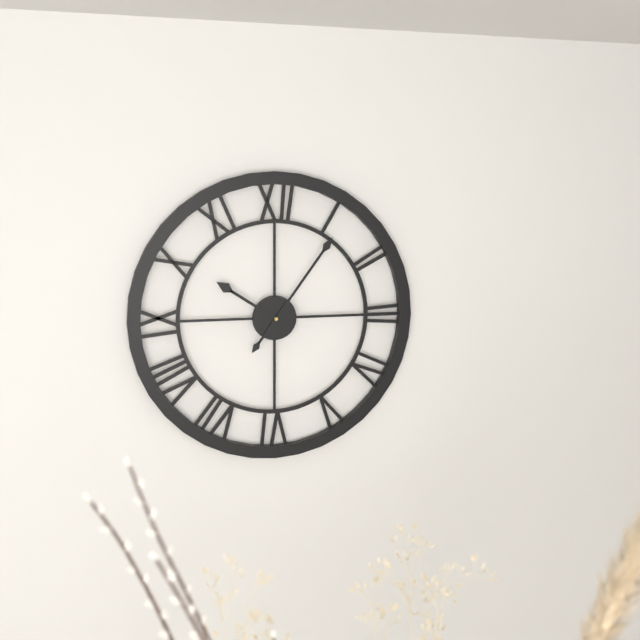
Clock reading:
**10:06**
